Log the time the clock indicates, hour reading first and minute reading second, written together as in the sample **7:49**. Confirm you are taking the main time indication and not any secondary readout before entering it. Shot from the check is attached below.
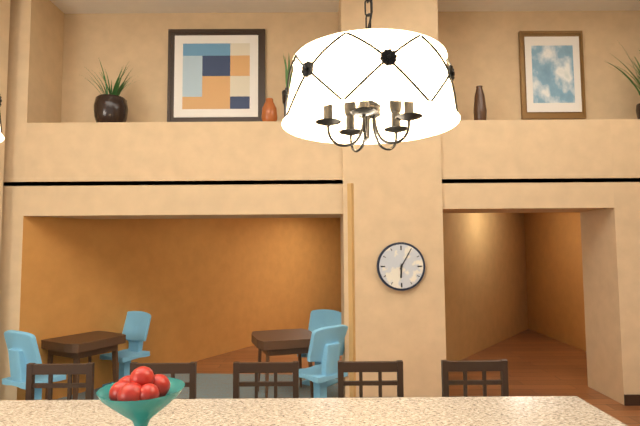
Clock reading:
**6:05**
